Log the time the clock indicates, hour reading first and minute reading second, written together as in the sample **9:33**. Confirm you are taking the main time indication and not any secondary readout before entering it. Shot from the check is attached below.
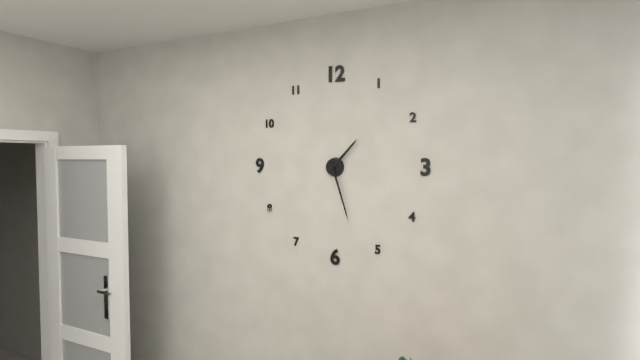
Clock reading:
**1:27**
